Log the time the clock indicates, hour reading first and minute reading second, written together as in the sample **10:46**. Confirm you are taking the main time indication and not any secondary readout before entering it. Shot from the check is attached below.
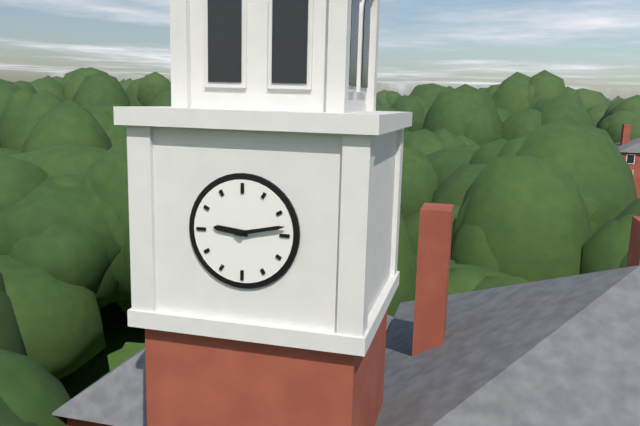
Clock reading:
**9:13**
